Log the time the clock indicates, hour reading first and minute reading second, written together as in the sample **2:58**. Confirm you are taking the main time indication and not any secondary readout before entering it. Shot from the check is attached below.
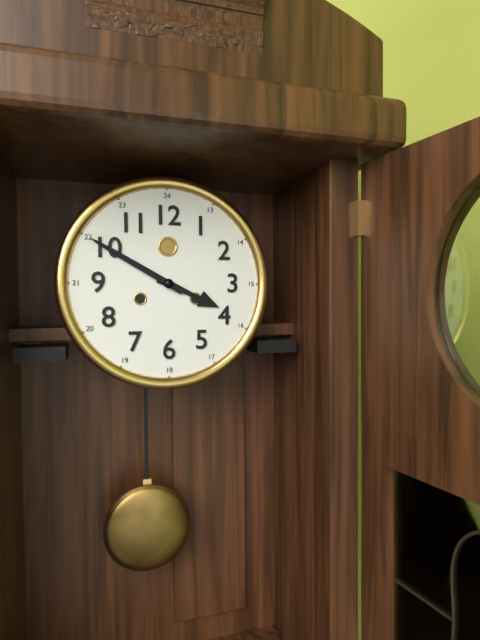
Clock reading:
**3:50**
